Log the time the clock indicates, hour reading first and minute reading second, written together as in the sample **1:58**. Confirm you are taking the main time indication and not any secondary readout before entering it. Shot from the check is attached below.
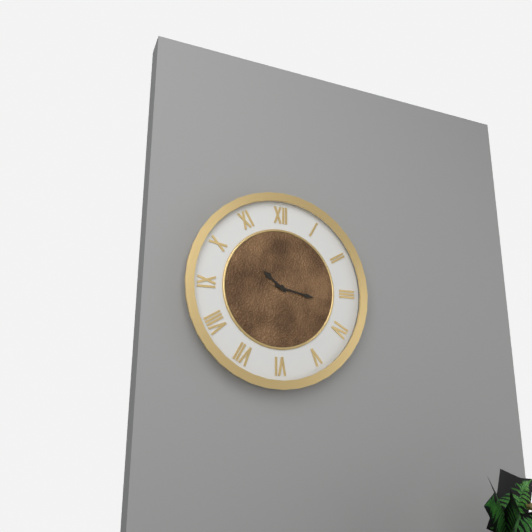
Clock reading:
**10:17**
